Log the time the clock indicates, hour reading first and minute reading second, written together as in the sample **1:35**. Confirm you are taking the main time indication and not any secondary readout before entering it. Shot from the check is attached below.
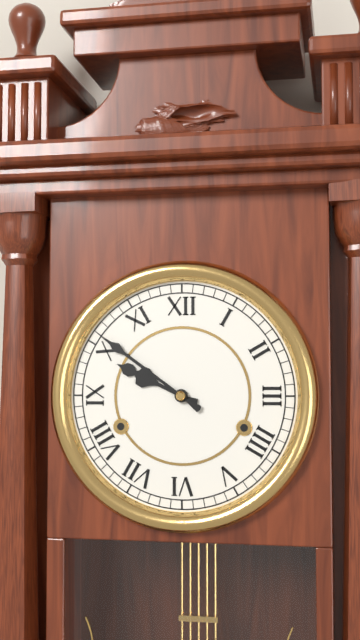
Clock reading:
**9:51**
